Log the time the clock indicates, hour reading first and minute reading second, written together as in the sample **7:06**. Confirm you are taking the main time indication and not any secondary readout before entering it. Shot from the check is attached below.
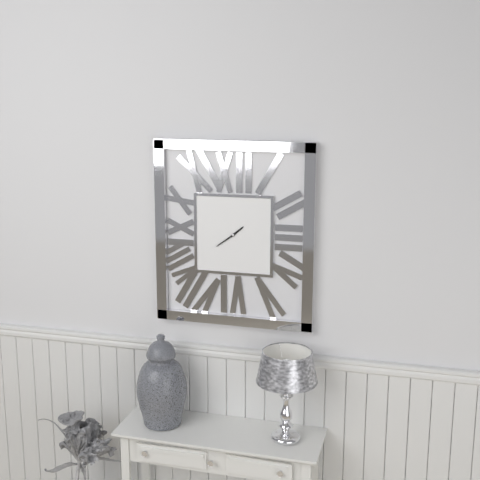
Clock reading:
**1:39**
